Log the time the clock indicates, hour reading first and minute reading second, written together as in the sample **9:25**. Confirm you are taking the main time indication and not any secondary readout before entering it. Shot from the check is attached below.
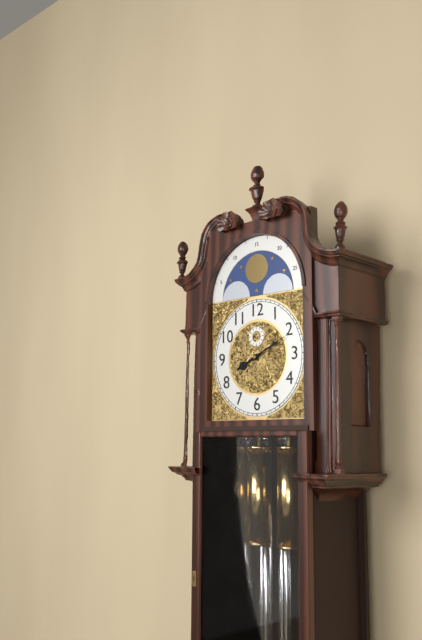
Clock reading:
**8:11**
